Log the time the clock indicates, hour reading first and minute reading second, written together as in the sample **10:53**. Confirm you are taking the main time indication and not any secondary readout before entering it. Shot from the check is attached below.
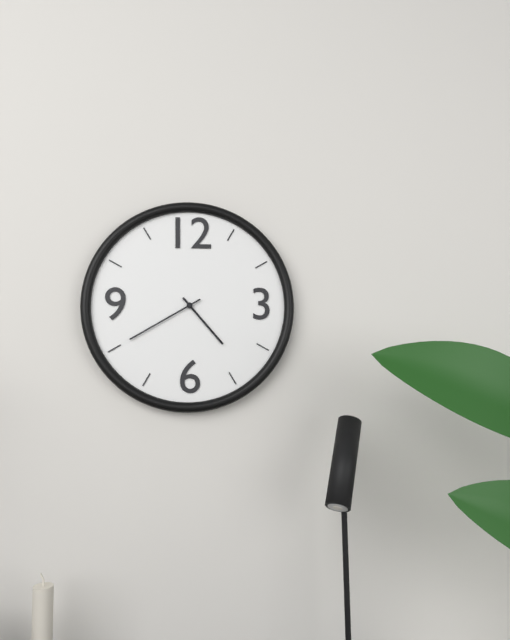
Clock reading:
**4:40**
